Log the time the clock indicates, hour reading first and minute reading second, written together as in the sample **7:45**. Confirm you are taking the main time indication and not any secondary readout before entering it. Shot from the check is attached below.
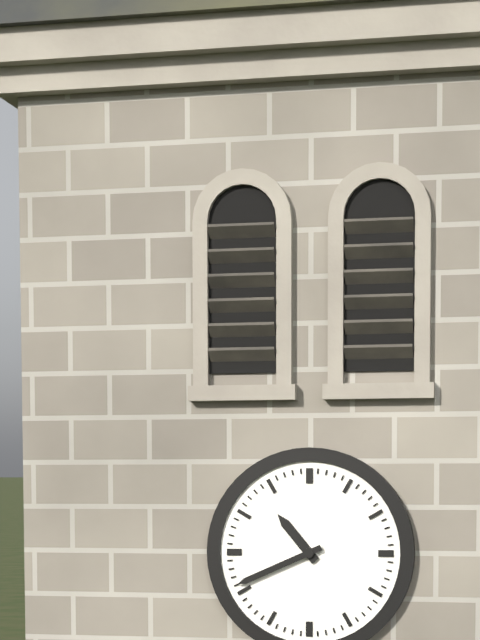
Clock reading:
**10:41**
